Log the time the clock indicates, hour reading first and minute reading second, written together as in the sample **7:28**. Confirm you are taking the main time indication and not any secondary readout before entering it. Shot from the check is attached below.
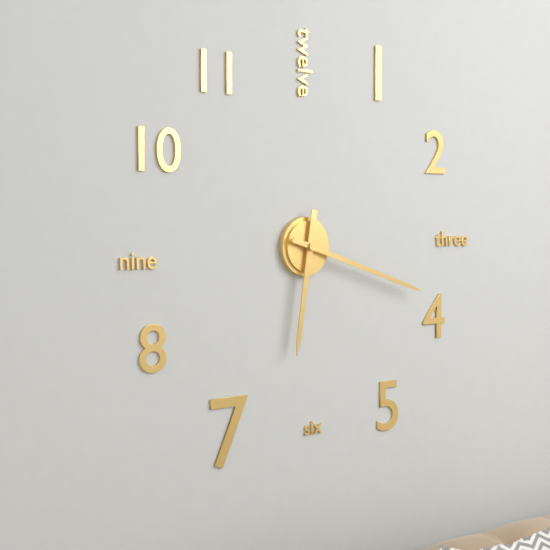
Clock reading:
**6:18**
